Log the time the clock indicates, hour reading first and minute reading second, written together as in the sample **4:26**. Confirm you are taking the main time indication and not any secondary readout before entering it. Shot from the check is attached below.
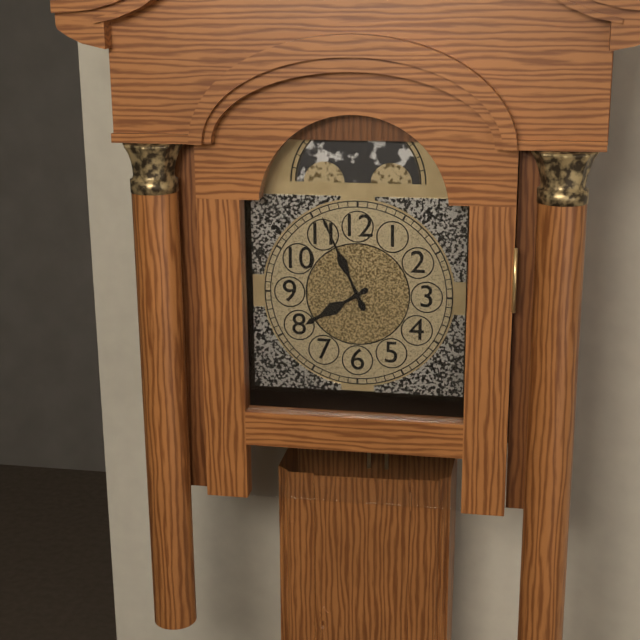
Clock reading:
**7:56**
